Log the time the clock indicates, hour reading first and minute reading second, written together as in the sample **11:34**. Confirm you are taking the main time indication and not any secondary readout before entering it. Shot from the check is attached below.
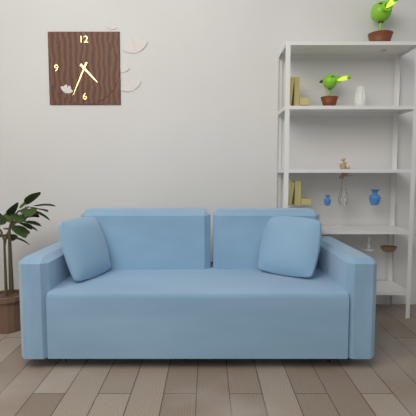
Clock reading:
**4:34**
